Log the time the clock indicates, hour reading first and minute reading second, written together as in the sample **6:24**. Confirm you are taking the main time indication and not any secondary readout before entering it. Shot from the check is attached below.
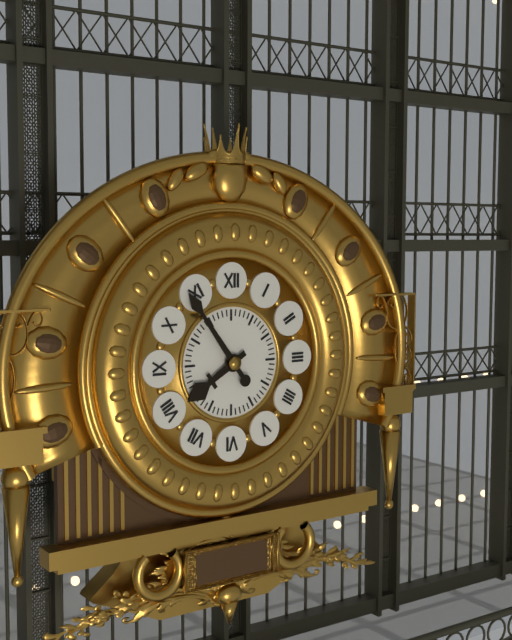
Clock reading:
**7:54**
